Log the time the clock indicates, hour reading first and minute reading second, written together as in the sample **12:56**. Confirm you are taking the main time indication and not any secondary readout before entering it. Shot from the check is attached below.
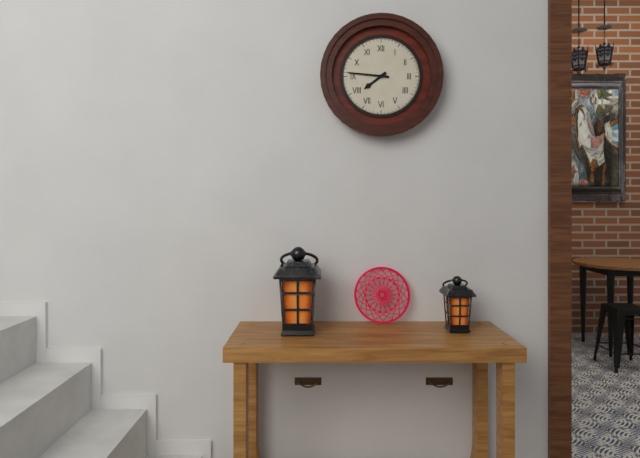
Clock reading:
**7:46**
